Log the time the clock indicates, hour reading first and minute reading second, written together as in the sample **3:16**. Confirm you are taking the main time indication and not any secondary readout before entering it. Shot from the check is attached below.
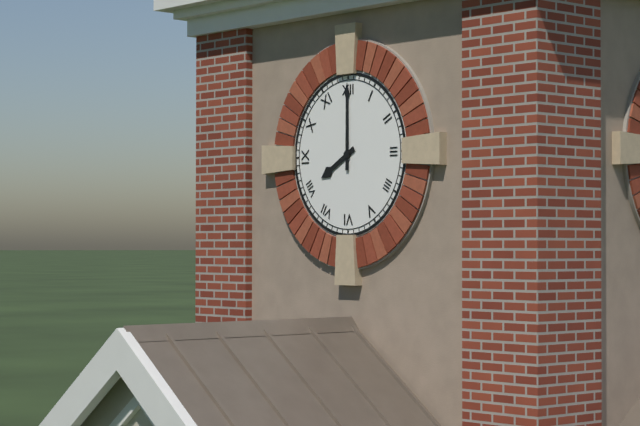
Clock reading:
**8:00**
